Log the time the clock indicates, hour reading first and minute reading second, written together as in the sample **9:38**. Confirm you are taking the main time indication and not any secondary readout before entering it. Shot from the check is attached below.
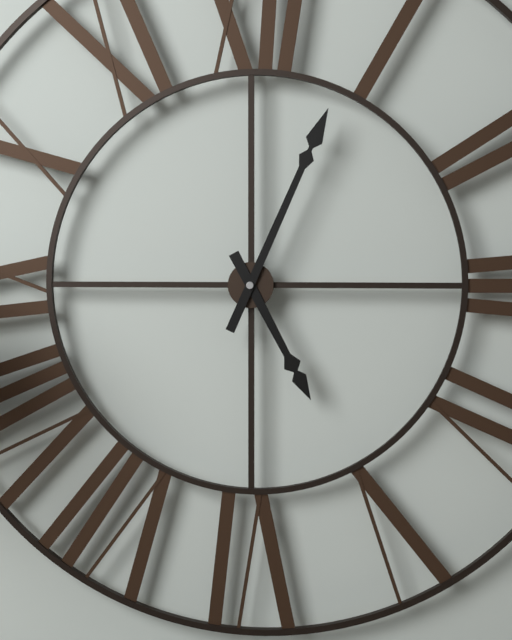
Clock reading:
**5:04**
